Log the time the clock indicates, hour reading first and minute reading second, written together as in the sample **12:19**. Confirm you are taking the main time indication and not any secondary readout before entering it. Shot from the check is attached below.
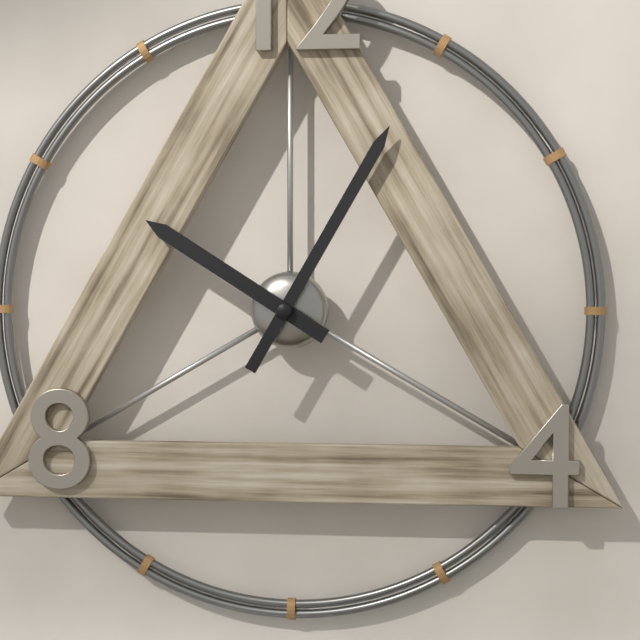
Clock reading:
**10:05**
